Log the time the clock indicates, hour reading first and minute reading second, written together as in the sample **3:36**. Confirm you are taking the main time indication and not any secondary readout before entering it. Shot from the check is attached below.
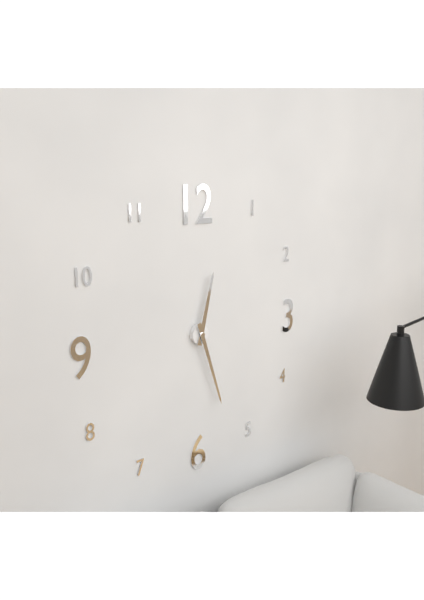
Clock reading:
**12:27**
